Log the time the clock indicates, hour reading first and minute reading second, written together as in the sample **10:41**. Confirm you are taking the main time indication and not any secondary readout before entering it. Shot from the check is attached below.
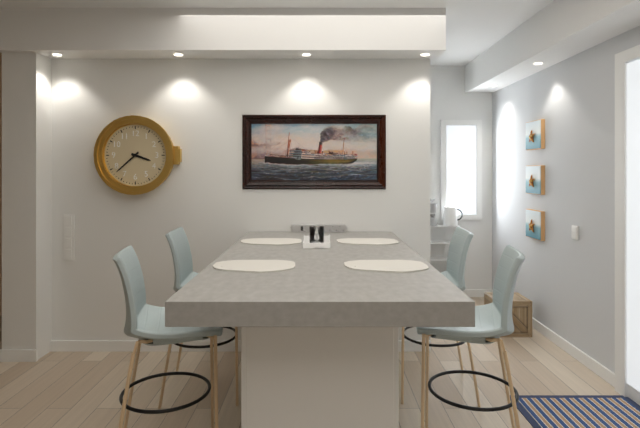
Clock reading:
**3:38**
